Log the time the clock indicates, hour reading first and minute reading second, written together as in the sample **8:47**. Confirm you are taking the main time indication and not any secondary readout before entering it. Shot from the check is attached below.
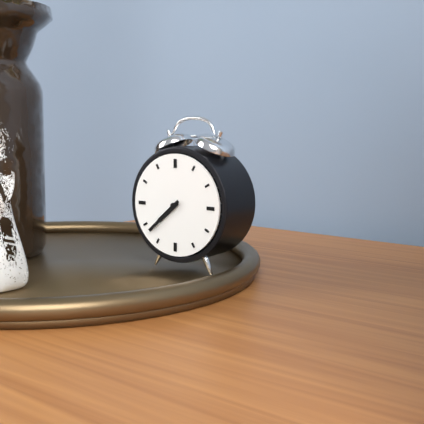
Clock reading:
**7:38**
